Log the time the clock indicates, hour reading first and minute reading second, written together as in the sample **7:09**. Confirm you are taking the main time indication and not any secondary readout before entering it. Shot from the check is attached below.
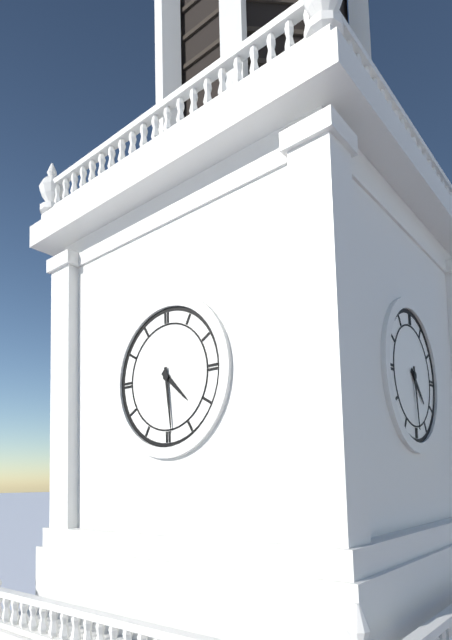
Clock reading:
**4:29**
